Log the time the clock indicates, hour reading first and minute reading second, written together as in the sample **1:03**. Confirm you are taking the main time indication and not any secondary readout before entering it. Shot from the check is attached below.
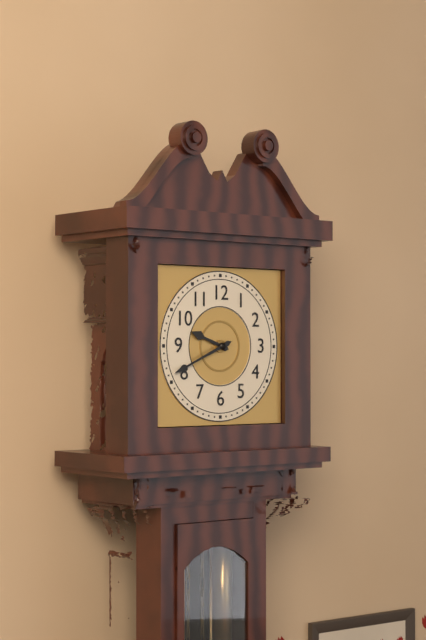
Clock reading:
**9:41**
